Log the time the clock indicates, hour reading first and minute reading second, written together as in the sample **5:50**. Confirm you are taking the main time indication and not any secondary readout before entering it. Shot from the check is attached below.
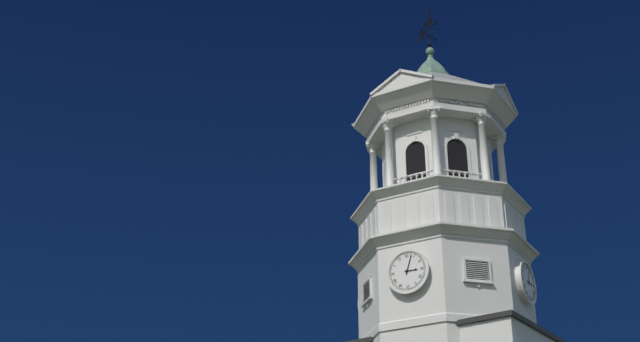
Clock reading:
**3:03**
